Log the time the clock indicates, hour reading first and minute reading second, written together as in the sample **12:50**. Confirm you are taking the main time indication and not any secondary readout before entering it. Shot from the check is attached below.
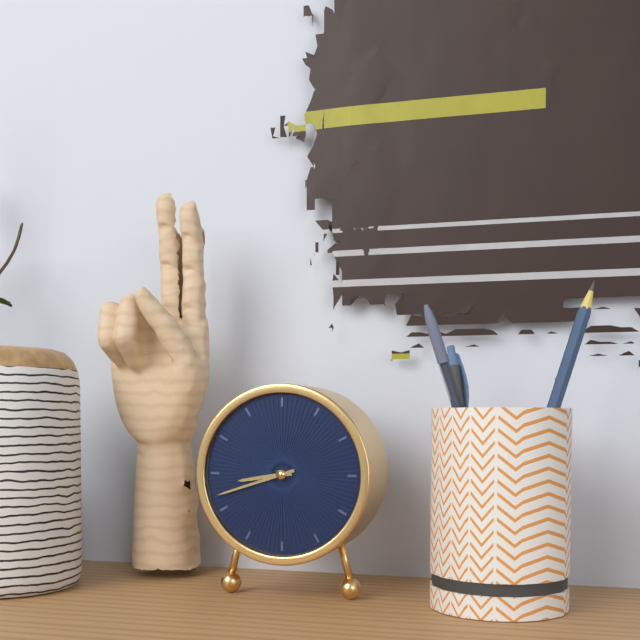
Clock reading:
**8:42**
